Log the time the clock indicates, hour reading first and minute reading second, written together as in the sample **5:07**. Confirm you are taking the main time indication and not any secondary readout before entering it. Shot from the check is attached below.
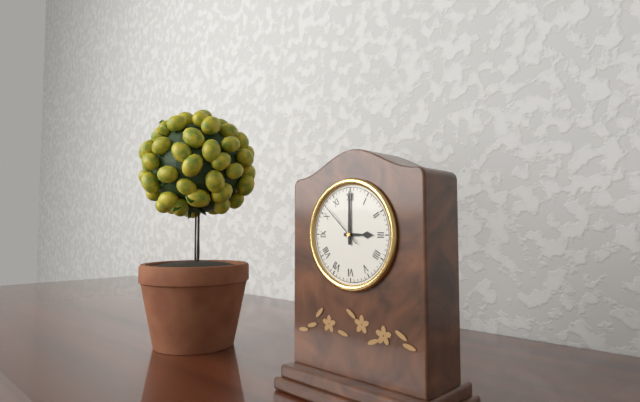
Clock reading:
**3:00**
